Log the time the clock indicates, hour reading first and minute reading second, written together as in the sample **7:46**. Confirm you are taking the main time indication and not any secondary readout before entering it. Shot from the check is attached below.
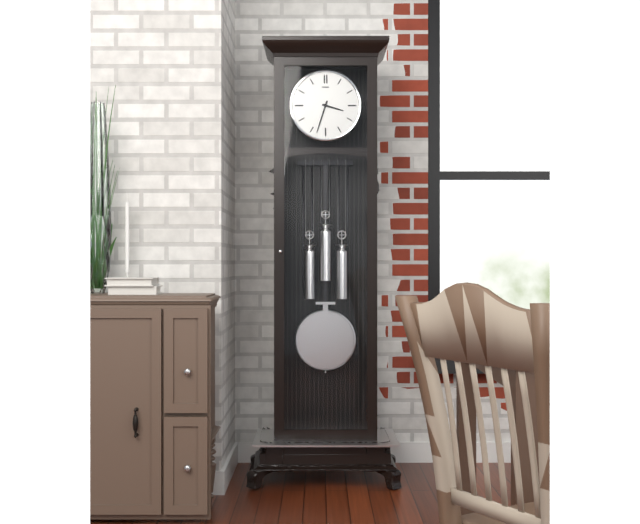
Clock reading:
**3:33**
